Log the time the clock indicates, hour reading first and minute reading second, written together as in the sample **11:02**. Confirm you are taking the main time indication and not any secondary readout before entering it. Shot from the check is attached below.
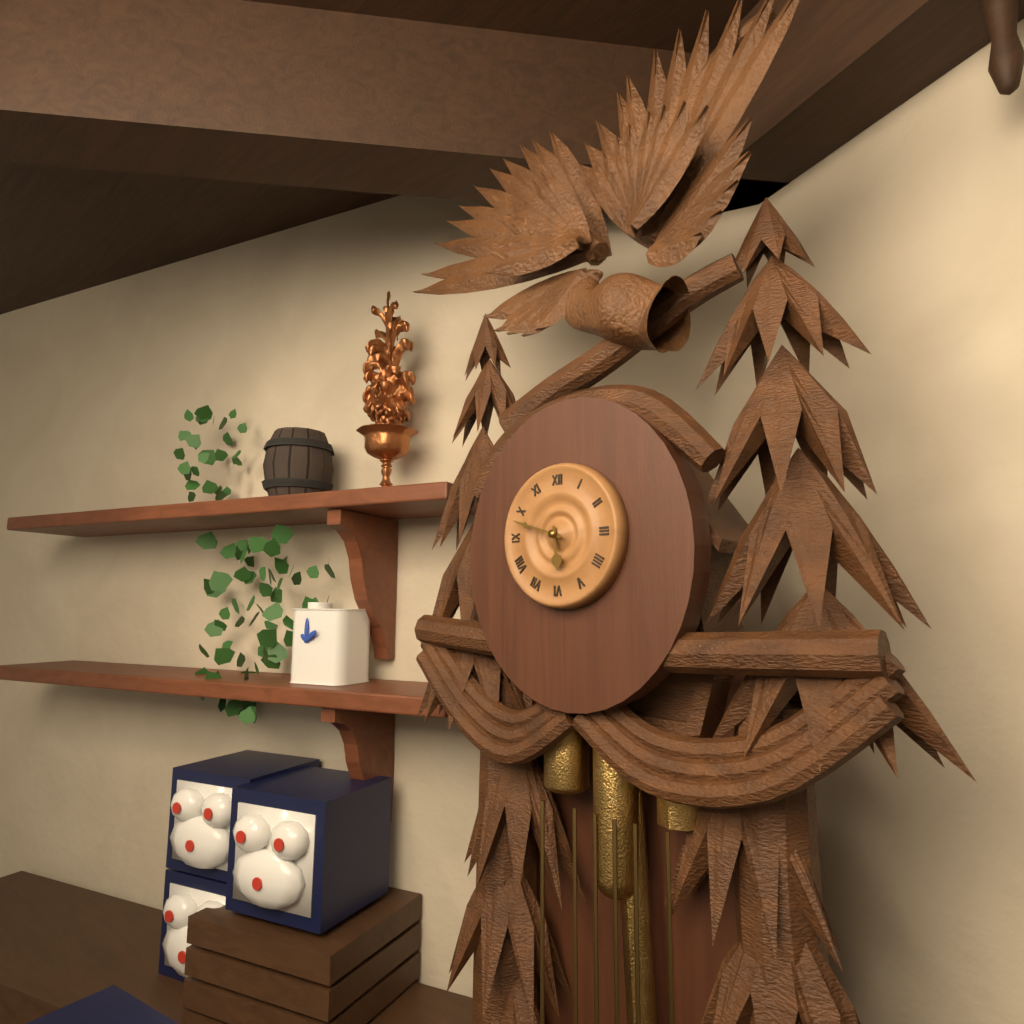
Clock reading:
**5:48**
